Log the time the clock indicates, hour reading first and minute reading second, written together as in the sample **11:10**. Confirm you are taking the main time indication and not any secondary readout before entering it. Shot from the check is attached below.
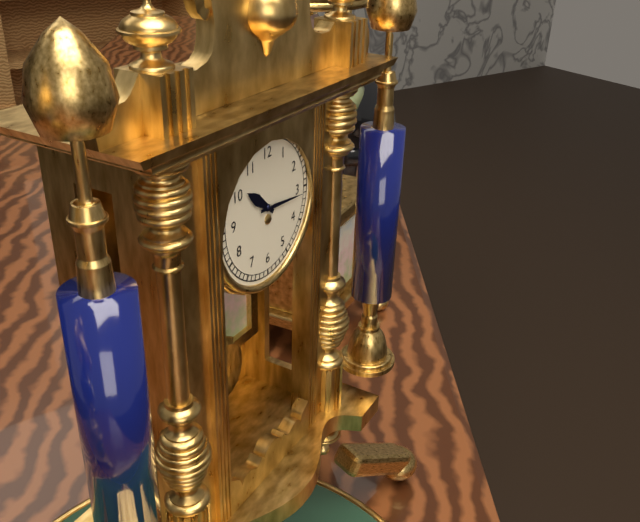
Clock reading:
**10:16**
